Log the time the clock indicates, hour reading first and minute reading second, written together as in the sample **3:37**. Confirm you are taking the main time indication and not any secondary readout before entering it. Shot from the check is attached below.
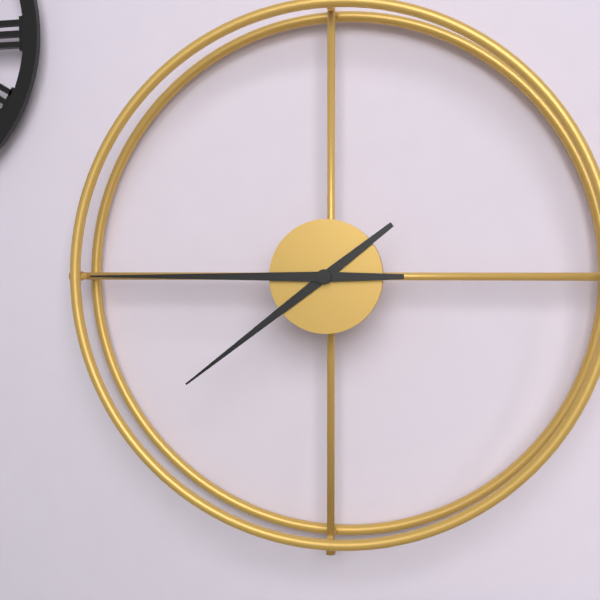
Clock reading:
**7:45**
